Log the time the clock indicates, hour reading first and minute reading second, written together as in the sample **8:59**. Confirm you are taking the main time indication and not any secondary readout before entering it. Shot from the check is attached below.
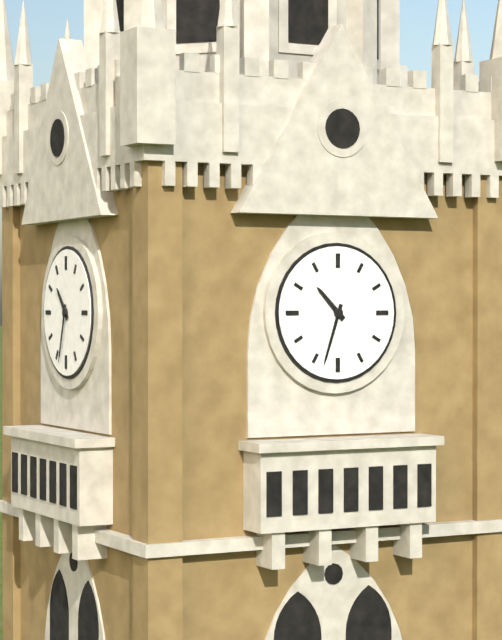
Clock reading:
**10:33**
